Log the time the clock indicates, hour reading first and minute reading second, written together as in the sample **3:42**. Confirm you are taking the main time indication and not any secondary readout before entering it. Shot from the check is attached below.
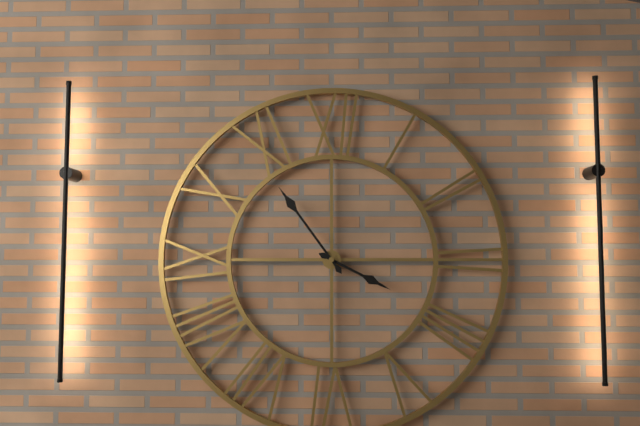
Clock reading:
**3:54**
